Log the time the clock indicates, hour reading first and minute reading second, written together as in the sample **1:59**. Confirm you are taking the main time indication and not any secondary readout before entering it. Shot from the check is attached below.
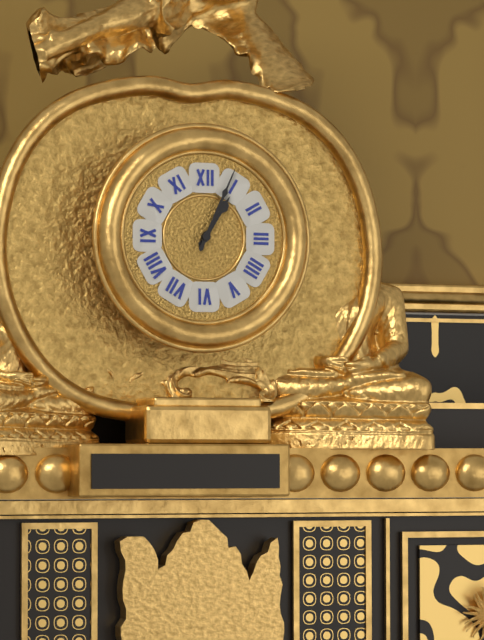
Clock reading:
**1:04**
